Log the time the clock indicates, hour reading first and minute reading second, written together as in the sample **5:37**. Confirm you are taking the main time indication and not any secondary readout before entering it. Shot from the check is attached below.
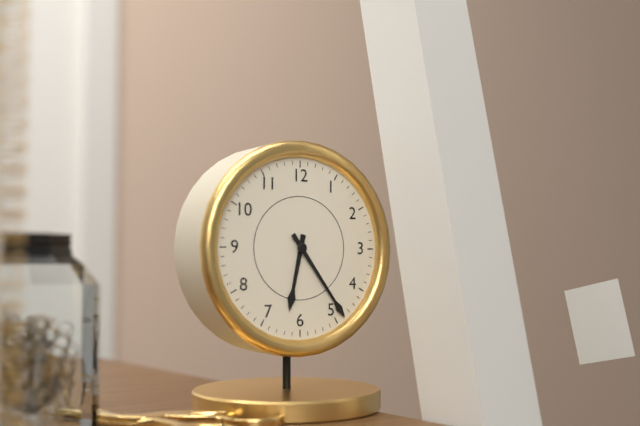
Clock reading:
**6:24**
